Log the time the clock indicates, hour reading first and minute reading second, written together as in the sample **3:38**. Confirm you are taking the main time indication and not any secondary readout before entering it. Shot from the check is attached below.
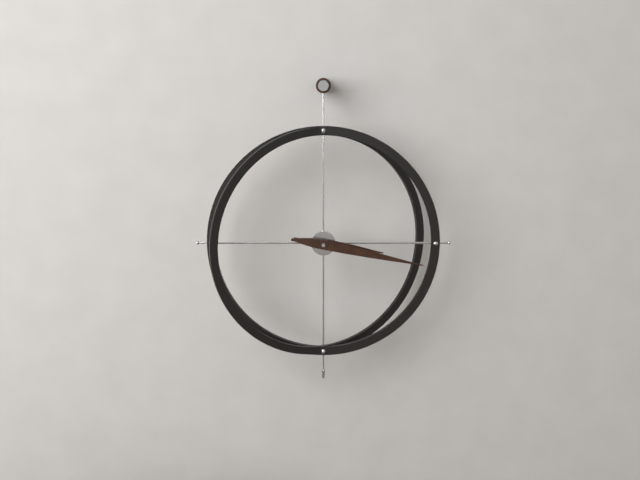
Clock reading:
**3:17**
